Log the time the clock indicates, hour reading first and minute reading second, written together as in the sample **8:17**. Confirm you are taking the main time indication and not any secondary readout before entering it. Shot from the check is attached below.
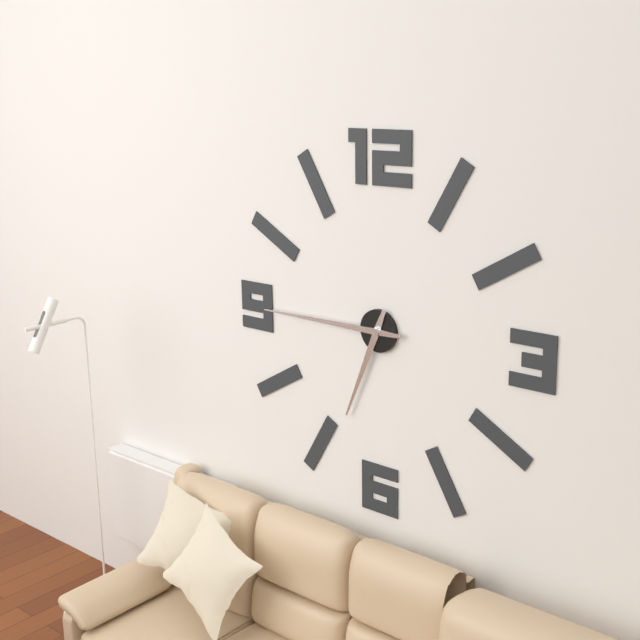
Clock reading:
**6:45**
